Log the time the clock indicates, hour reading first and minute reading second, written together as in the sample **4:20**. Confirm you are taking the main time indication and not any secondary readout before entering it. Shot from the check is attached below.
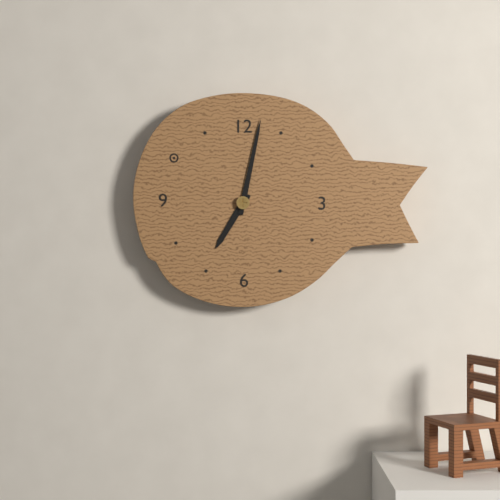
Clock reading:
**7:02**
